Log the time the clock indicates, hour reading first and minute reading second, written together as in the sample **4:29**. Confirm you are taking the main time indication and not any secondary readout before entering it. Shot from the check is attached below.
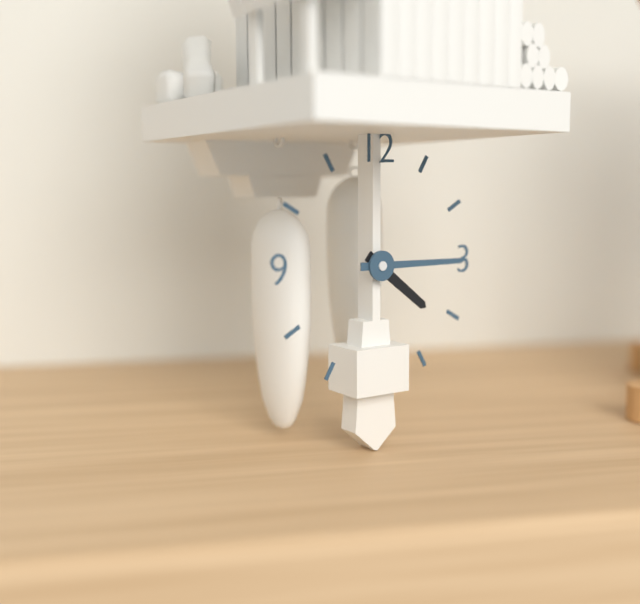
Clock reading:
**4:15**
